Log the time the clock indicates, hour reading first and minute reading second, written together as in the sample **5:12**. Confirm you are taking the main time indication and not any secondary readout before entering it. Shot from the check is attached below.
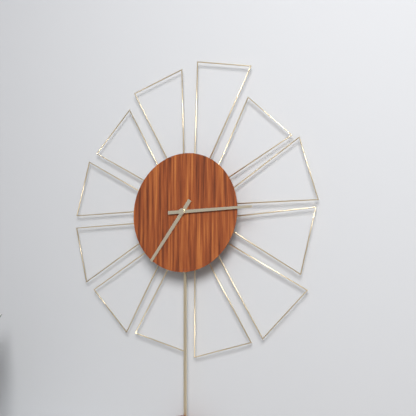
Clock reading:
**7:15**
